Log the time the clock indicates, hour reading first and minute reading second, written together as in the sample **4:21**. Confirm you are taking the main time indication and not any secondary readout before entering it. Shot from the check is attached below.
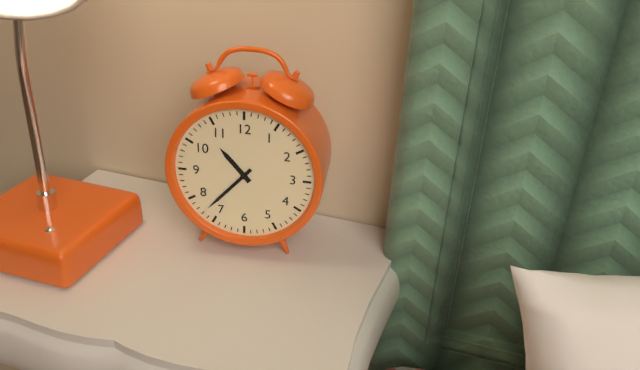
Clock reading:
**10:37**
